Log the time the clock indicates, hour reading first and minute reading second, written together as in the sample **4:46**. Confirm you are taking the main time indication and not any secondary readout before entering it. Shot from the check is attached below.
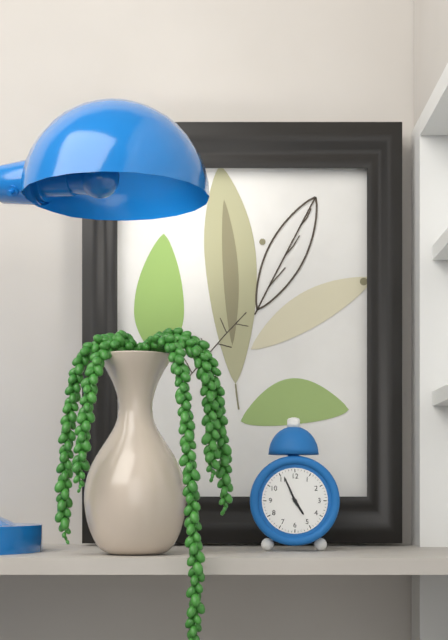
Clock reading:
**4:56**
